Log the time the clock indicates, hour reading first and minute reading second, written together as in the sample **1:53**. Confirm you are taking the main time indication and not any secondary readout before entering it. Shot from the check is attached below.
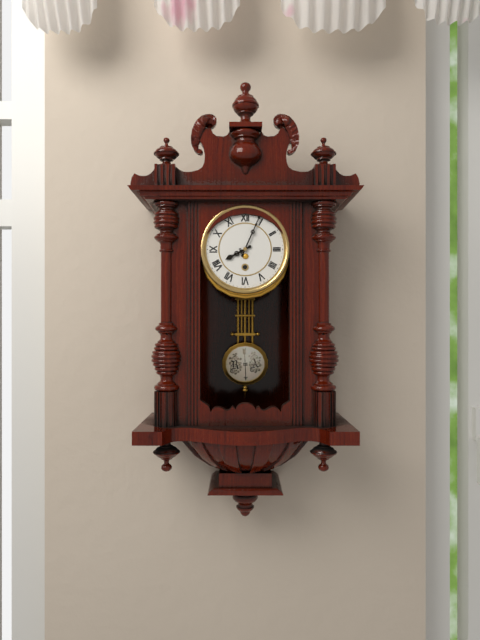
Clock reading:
**8:04**
